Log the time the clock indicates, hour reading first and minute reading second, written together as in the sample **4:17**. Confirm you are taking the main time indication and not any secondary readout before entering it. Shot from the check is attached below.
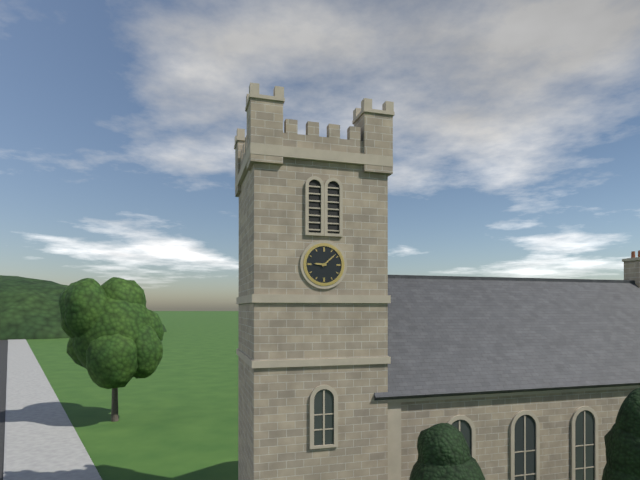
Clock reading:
**9:08**
